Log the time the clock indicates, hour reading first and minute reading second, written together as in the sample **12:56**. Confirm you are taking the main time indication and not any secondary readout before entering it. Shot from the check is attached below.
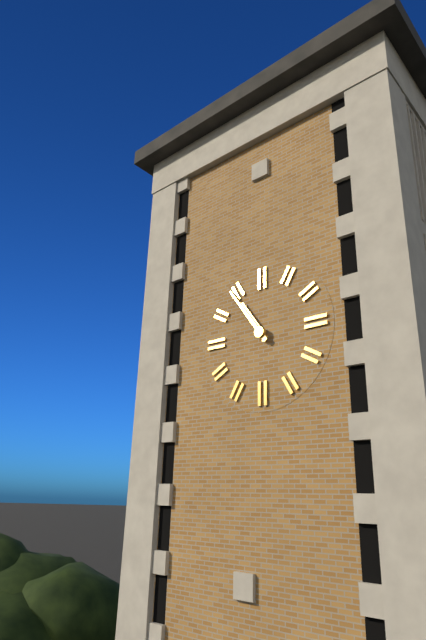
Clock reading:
**10:54**
